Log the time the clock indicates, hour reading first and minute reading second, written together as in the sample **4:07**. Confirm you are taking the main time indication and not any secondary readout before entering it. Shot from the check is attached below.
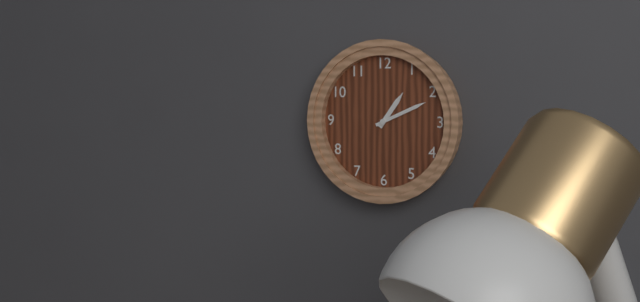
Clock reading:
**1:11**
